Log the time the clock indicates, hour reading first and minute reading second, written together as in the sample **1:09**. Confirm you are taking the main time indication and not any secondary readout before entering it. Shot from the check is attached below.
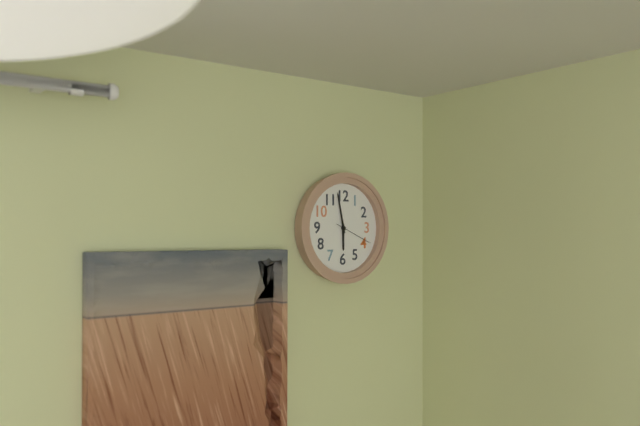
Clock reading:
**5:58**
